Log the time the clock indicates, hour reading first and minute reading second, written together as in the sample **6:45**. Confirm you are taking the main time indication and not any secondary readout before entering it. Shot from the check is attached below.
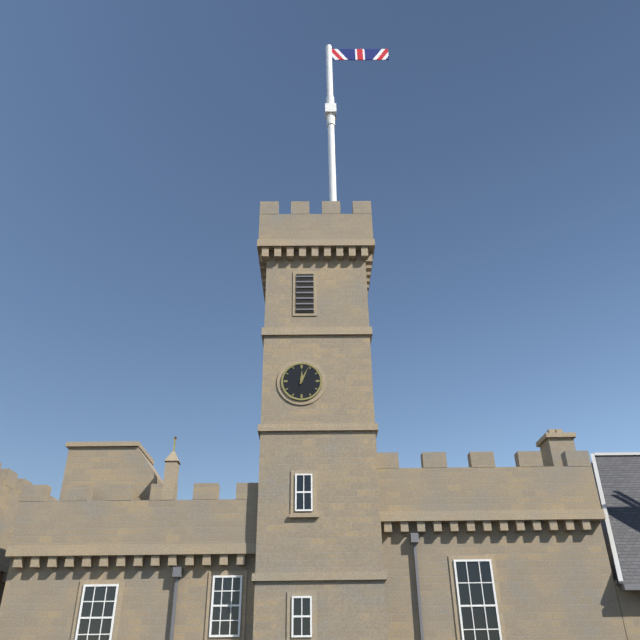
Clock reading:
**12:04**
